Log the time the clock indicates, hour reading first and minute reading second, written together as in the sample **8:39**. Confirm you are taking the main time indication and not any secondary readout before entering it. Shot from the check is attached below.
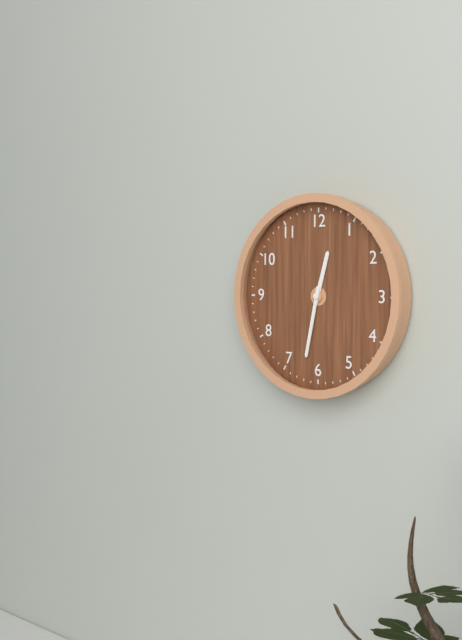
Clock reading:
**12:32**
